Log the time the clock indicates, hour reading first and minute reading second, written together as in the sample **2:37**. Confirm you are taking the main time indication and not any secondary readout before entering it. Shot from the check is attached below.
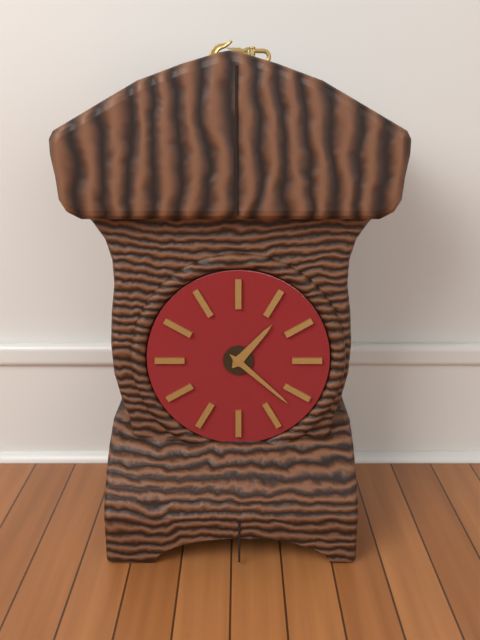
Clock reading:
**1:22**
